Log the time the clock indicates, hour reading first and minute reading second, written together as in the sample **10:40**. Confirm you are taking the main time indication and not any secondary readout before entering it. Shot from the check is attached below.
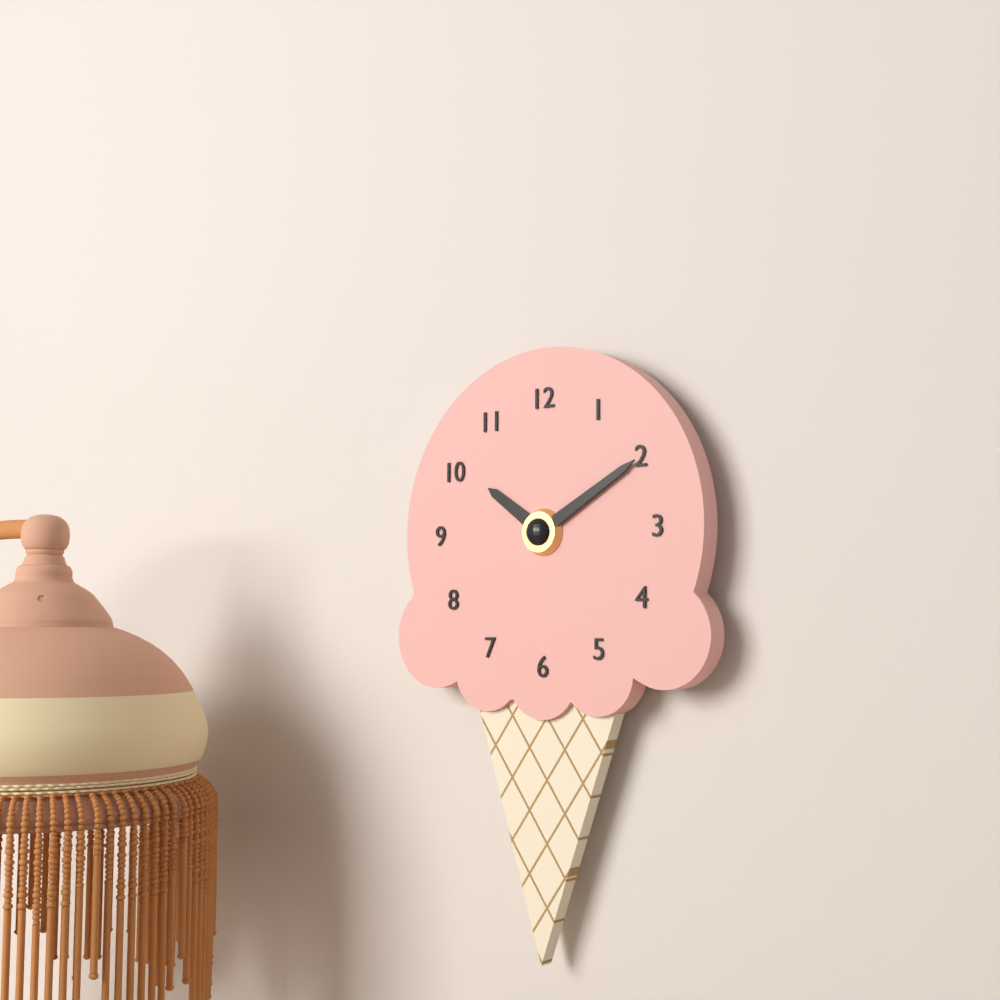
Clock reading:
**10:10**
